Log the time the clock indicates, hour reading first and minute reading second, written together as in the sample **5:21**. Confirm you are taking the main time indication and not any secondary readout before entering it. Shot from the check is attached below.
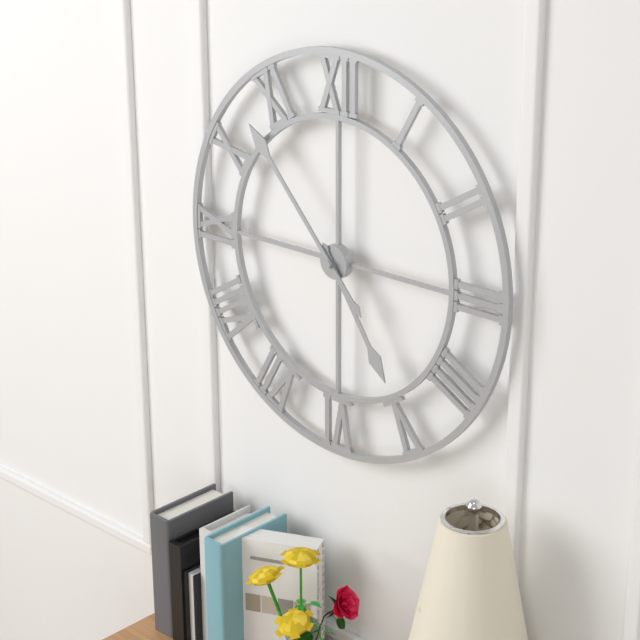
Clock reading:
**4:53**
